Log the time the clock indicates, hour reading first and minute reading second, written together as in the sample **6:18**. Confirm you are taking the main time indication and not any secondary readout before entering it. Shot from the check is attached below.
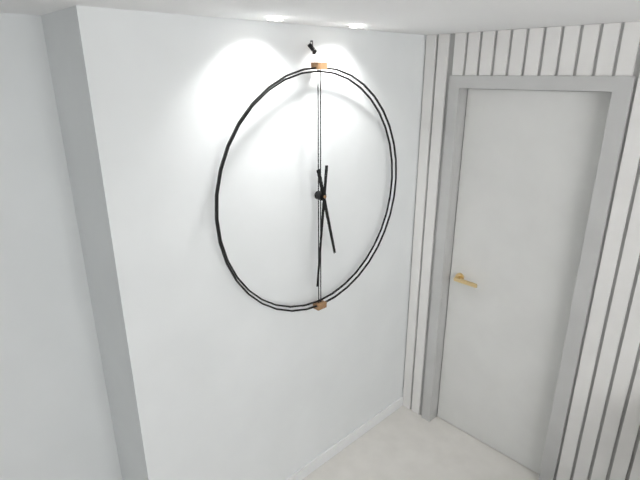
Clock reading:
**5:31**
